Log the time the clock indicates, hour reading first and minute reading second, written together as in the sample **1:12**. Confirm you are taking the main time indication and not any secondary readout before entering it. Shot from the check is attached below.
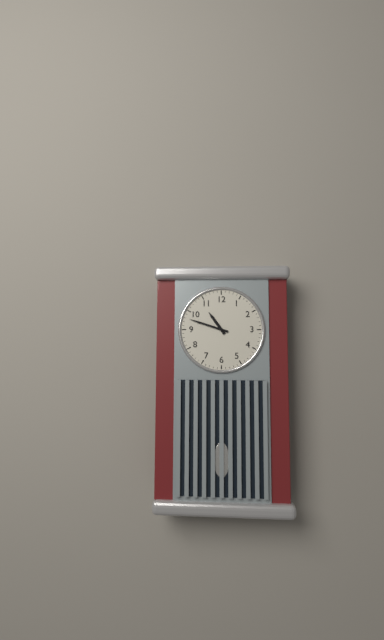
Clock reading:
**10:48**
